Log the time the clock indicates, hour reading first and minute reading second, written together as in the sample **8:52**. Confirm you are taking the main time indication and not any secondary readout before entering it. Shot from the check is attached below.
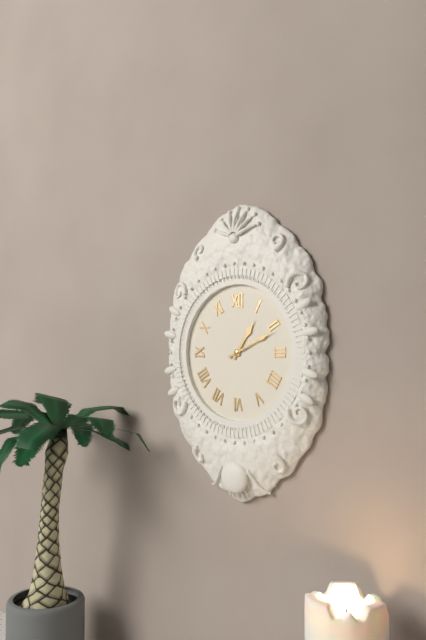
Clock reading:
**1:11**
